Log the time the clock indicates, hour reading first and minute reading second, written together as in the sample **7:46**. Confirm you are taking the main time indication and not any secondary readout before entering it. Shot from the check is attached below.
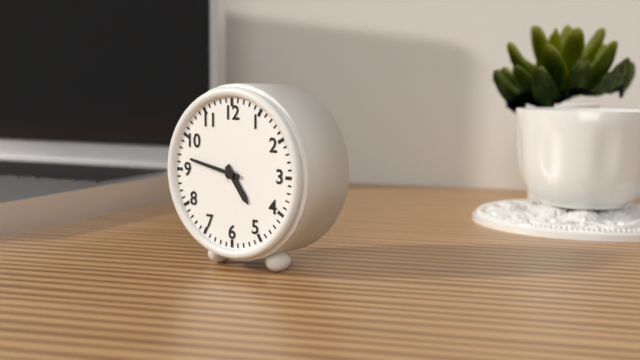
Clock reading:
**4:47**
